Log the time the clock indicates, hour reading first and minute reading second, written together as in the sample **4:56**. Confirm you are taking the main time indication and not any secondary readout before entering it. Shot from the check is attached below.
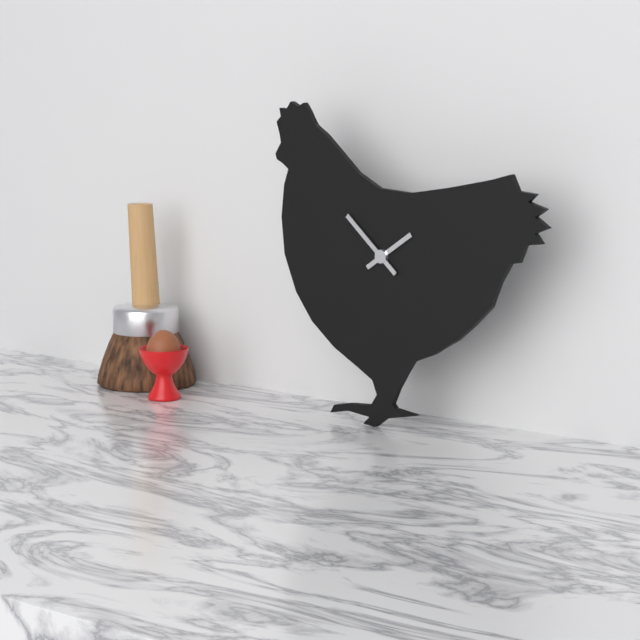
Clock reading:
**1:52**
